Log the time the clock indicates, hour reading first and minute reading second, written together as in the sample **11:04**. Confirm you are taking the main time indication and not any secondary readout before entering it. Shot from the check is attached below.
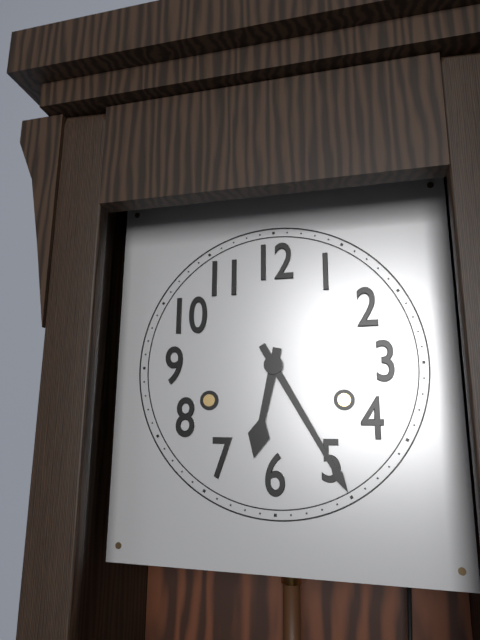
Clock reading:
**6:25**
